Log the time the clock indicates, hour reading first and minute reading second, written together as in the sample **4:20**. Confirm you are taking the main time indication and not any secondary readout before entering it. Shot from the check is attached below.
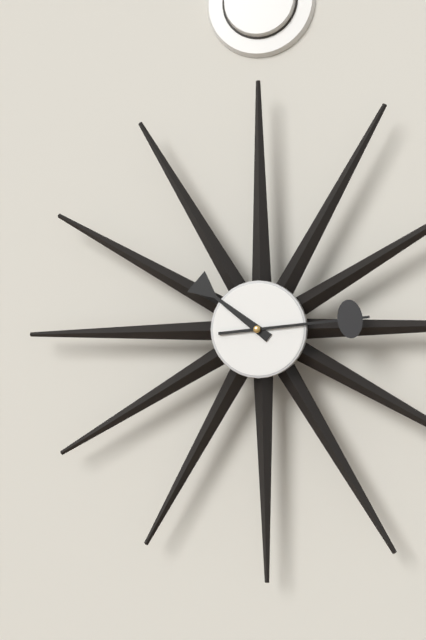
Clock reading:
**10:14**
